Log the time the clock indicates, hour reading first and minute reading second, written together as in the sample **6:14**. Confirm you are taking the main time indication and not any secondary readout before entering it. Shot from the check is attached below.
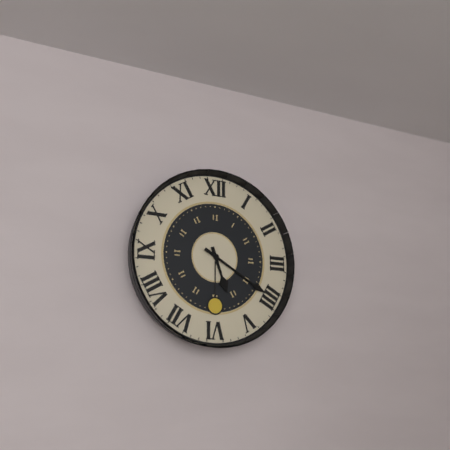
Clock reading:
**5:20**
